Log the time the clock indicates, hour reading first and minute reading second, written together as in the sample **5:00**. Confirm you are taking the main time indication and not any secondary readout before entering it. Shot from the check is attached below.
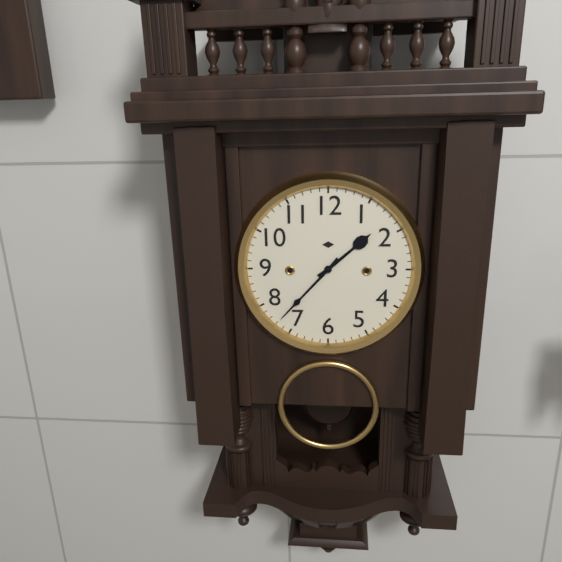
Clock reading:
**1:37**
